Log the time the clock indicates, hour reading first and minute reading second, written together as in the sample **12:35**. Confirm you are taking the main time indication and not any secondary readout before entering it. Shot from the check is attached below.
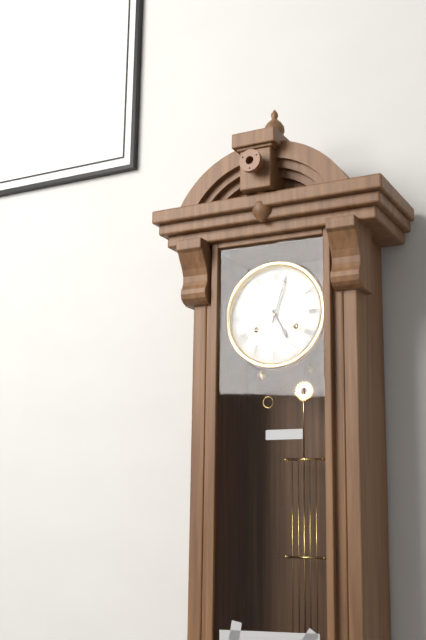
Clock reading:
**5:03**
